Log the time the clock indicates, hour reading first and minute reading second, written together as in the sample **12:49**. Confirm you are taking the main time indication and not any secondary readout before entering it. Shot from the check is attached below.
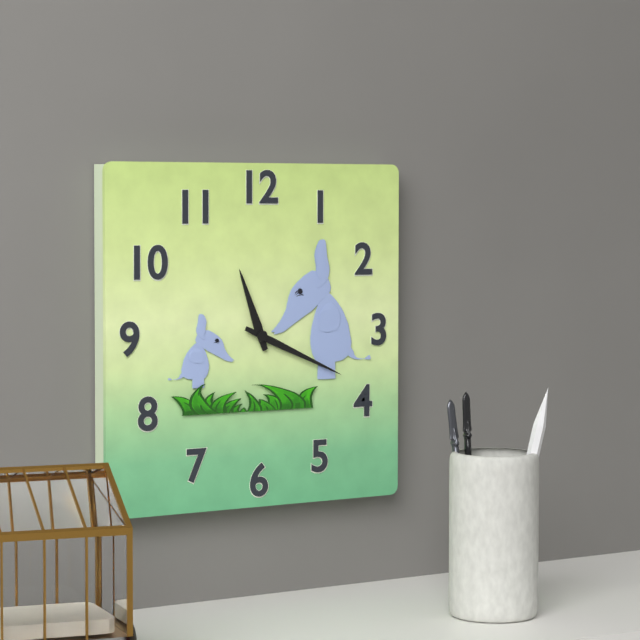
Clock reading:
**11:19**
